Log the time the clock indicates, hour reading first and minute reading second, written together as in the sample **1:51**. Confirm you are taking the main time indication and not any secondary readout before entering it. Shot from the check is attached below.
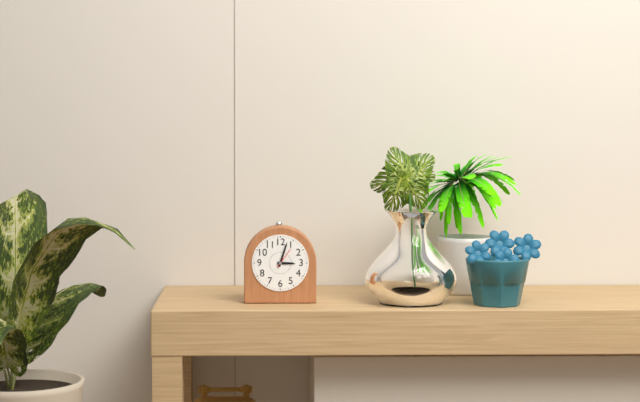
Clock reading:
**3:03**
